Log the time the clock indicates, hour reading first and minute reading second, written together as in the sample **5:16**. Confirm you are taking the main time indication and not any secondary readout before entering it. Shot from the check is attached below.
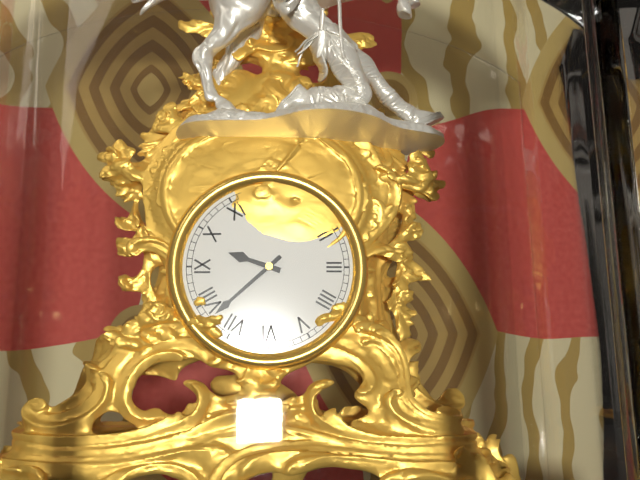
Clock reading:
**9:38**
